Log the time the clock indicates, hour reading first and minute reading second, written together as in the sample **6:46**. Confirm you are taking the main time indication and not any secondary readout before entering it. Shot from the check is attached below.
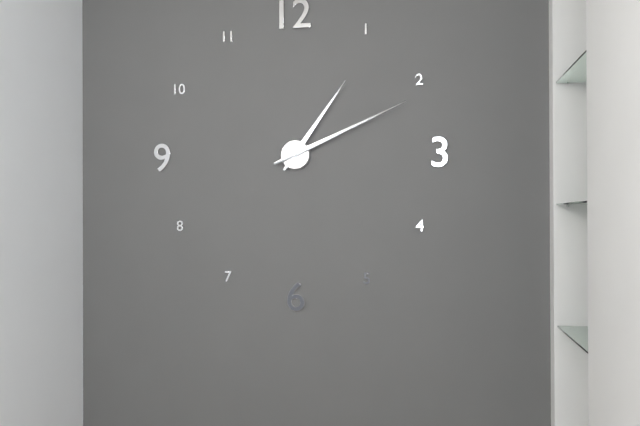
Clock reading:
**1:11**
